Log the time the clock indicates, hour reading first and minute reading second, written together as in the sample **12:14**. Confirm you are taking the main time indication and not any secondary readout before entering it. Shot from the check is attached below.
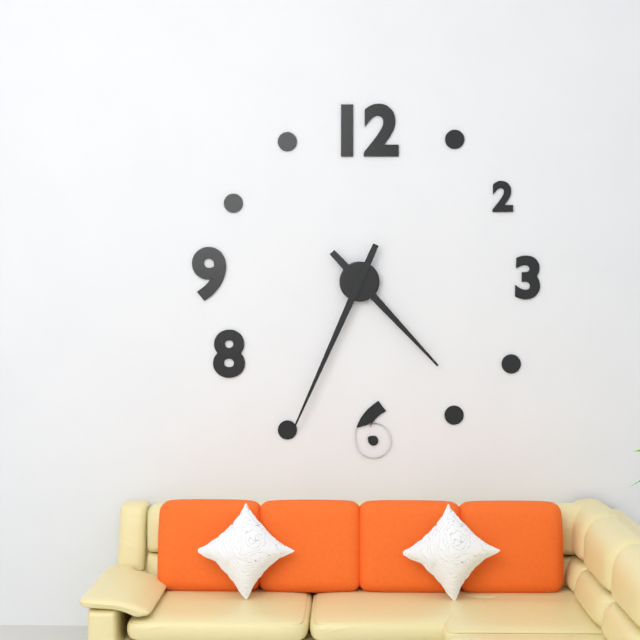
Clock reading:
**4:34**
